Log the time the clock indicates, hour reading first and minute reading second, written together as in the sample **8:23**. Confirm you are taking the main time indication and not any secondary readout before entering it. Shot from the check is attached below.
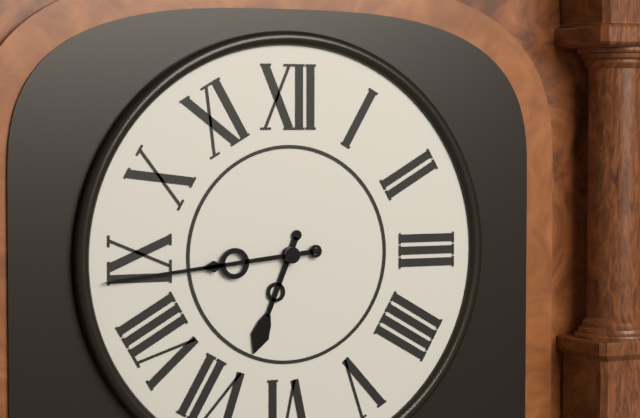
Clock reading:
**6:44**
